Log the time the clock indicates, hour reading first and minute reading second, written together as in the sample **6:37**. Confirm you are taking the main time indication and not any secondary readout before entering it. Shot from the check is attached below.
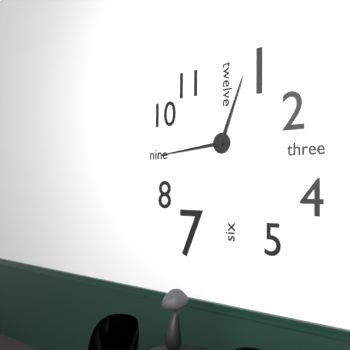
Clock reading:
**12:44**
